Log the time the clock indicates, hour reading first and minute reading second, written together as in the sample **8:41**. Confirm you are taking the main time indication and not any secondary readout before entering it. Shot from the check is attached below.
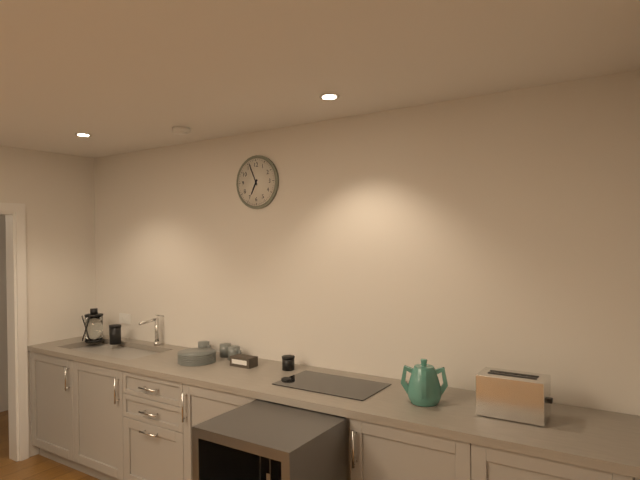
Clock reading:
**6:56**
